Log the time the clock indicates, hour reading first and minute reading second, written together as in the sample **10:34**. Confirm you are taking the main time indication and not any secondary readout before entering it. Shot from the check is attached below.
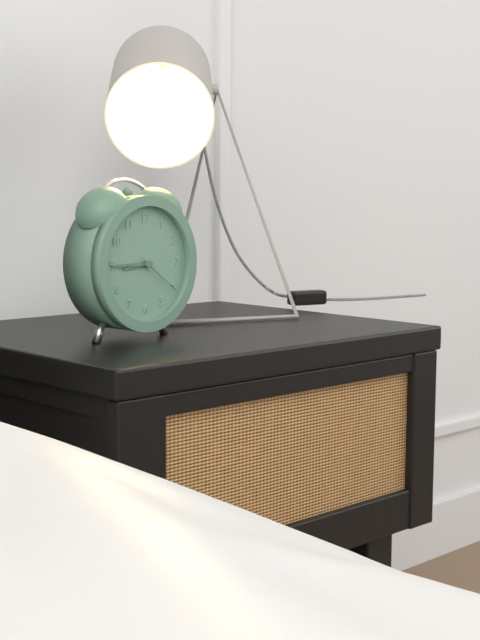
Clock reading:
**8:45**
